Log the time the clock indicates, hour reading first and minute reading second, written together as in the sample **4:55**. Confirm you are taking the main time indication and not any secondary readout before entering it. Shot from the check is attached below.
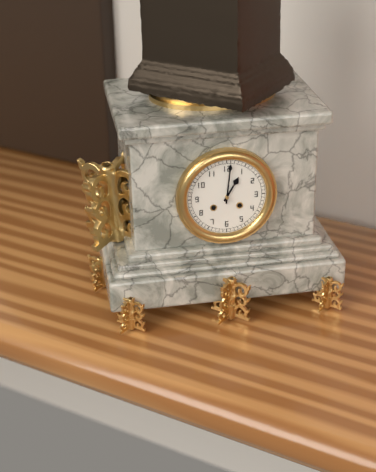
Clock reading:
**1:01**
